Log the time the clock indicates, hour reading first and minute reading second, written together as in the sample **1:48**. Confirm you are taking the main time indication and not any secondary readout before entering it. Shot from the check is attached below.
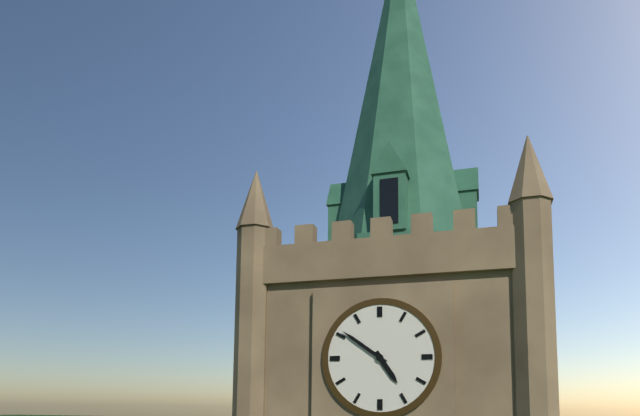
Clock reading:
**4:51**
